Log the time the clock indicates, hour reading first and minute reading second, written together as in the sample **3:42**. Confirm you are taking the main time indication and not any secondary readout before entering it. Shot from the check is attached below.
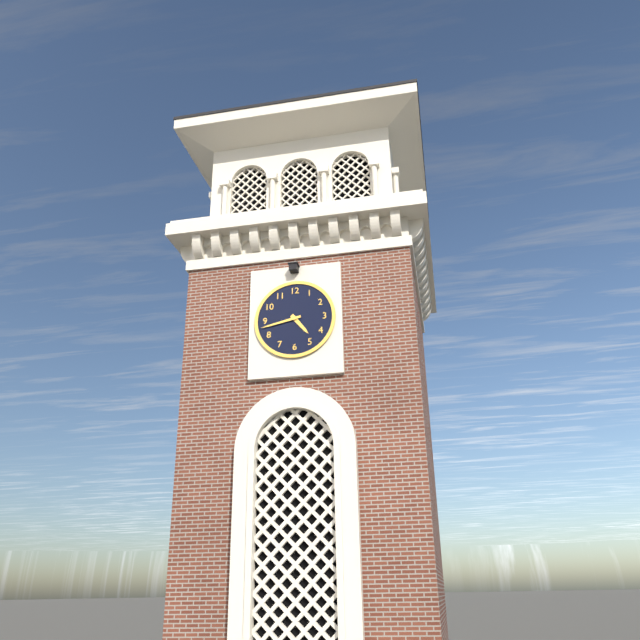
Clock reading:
**4:43**
